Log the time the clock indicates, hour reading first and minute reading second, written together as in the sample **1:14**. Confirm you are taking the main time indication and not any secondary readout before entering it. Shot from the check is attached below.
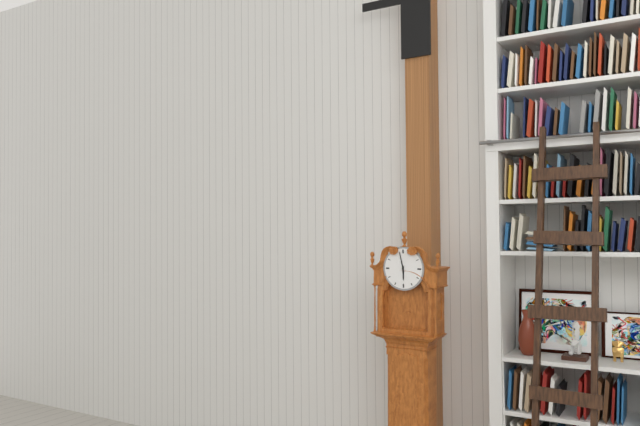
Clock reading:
**5:58**
